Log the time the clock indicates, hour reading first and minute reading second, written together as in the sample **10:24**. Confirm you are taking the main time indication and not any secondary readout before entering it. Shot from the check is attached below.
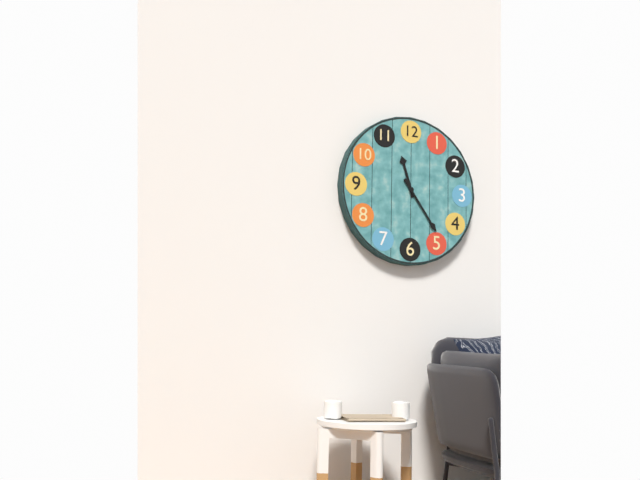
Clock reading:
**11:24**
